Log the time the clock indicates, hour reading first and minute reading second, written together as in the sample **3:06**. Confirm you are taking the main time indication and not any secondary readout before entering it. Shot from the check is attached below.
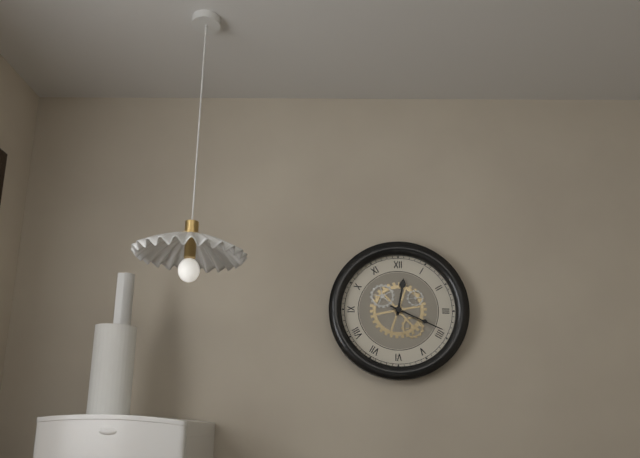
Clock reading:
**12:19**
